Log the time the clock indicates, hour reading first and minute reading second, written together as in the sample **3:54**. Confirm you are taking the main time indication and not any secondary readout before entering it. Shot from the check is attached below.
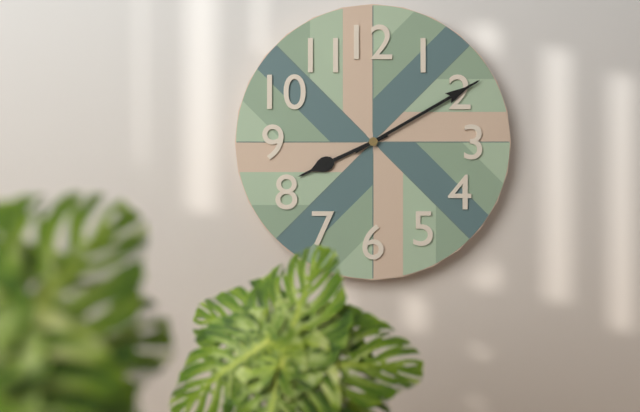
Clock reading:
**8:10**
